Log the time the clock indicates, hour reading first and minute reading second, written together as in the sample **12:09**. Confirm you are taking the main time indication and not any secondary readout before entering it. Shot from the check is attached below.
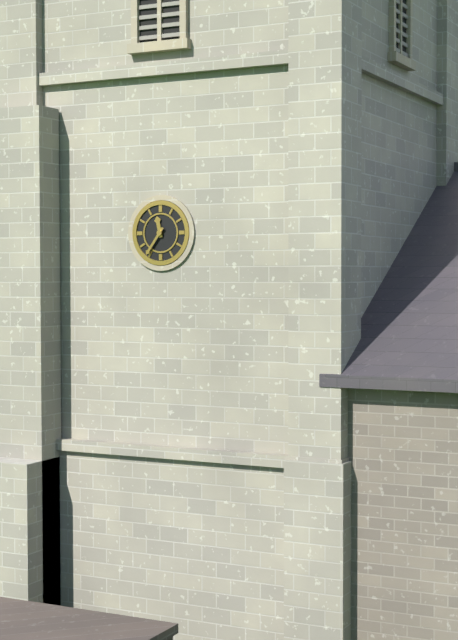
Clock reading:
**11:36**
